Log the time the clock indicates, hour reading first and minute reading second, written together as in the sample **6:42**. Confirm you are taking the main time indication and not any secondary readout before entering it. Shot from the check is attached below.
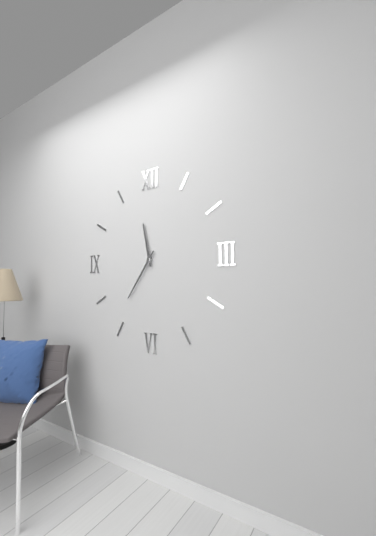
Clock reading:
**11:36**
